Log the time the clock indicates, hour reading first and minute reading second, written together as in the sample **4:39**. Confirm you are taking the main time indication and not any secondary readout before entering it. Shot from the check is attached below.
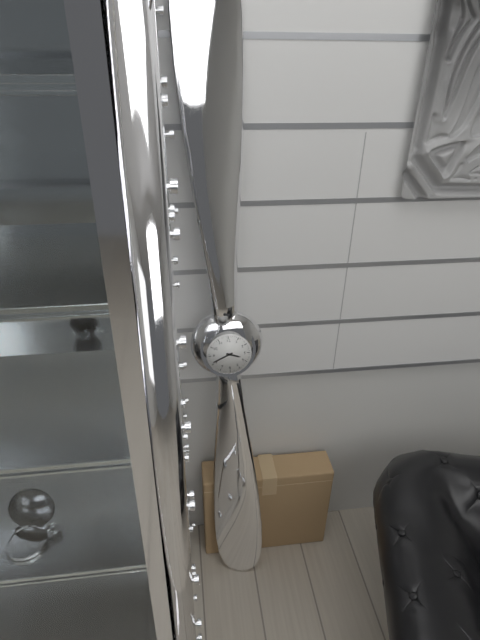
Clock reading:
**3:41**
